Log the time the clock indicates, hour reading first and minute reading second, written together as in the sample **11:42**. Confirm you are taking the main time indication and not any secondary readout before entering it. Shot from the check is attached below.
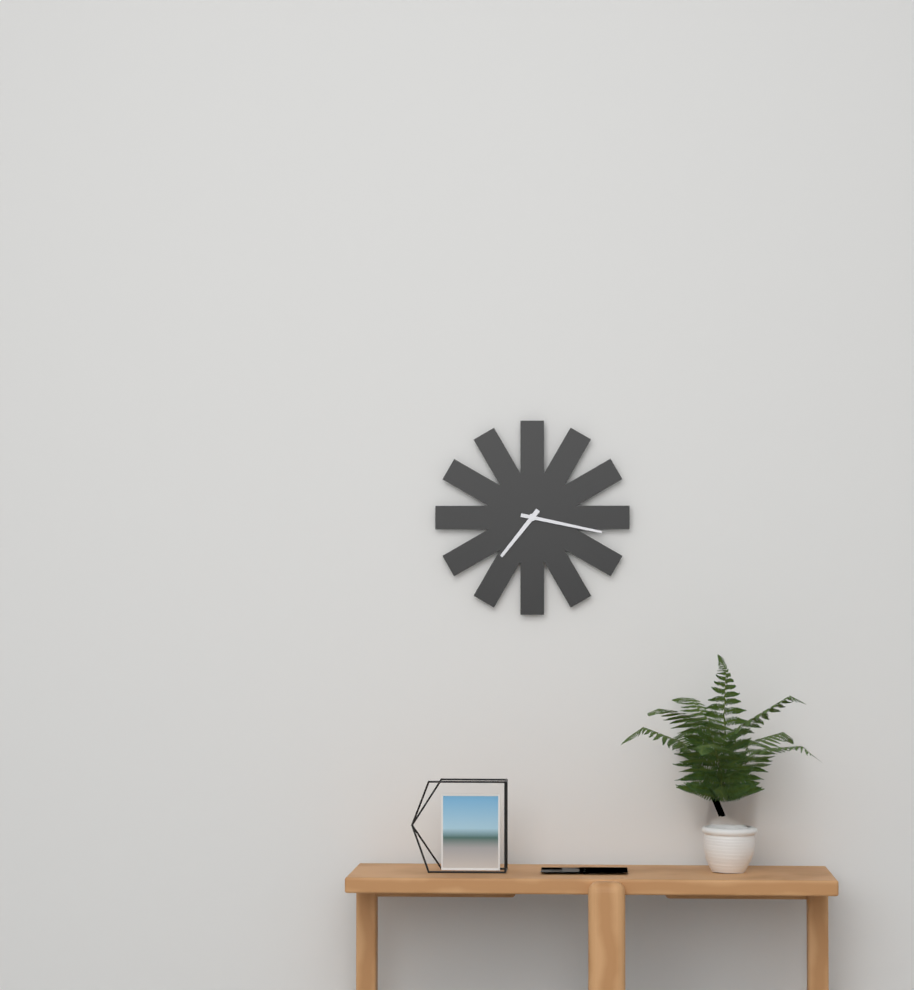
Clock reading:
**7:17**
